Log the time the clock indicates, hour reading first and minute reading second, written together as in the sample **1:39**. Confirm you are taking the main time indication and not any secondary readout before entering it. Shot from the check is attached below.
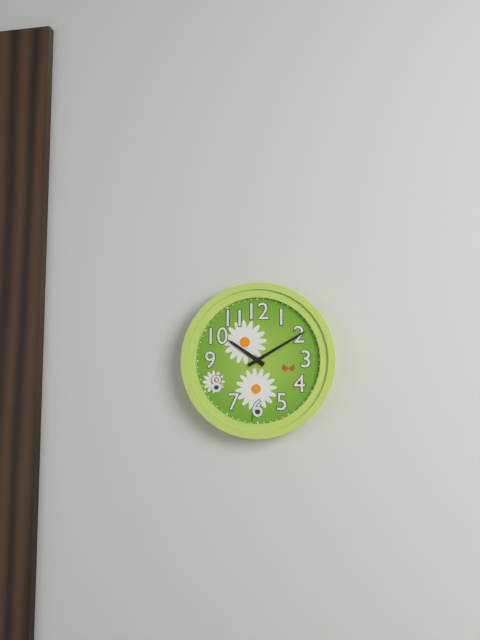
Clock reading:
**10:10**
